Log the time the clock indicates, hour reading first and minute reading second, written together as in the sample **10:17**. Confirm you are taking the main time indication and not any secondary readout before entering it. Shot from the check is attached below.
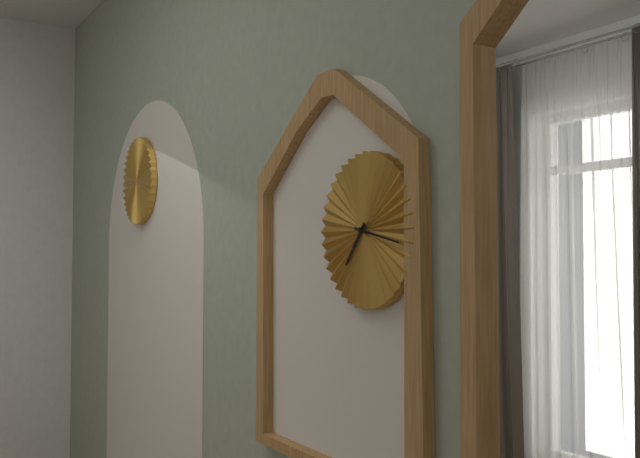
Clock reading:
**7:17**
